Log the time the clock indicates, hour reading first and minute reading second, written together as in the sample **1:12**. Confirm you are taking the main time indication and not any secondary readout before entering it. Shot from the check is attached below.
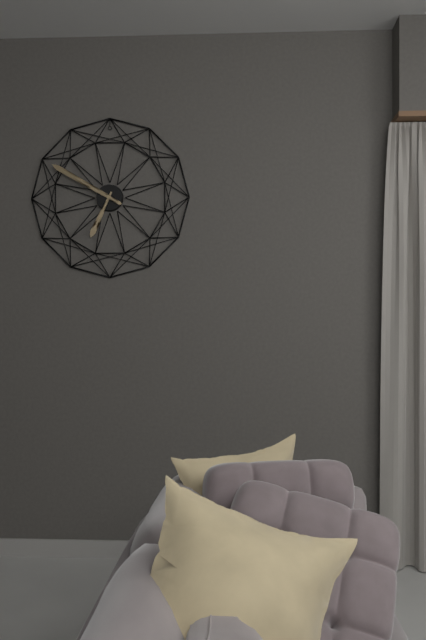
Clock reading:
**6:50**
